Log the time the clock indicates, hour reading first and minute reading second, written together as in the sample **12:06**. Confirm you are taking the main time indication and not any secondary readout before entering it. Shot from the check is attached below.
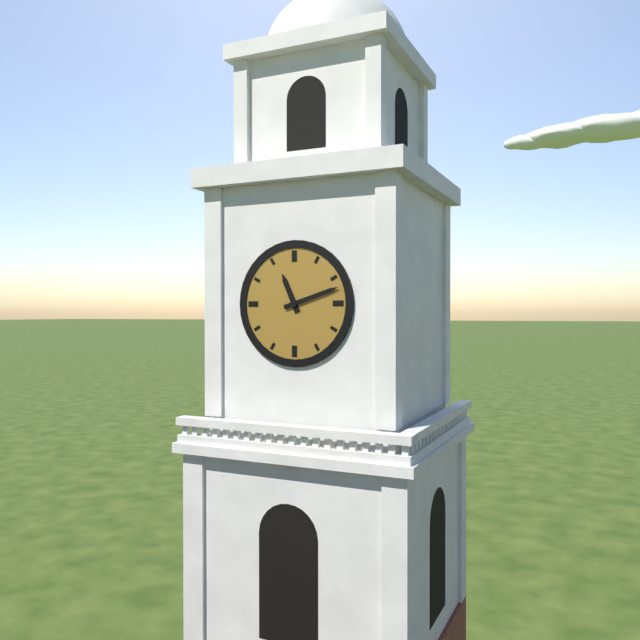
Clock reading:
**11:12**
